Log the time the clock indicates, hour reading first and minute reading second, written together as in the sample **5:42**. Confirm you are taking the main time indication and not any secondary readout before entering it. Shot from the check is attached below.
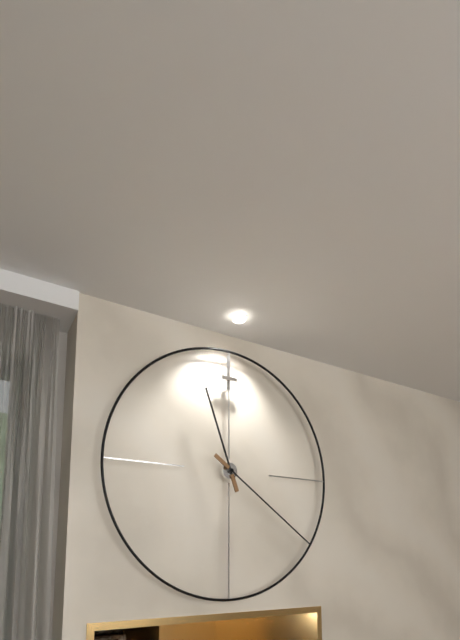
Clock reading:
**11:21**
